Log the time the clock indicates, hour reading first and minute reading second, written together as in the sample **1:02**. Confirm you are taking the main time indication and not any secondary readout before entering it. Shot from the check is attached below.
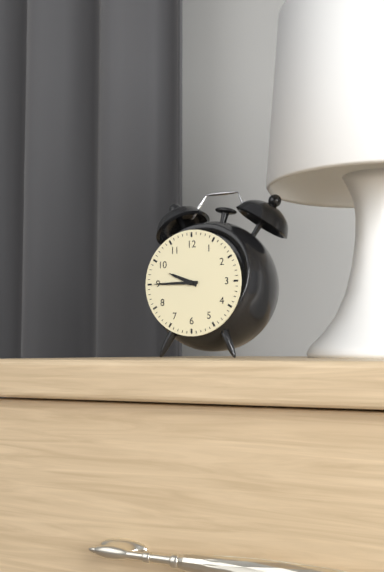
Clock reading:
**9:45**
